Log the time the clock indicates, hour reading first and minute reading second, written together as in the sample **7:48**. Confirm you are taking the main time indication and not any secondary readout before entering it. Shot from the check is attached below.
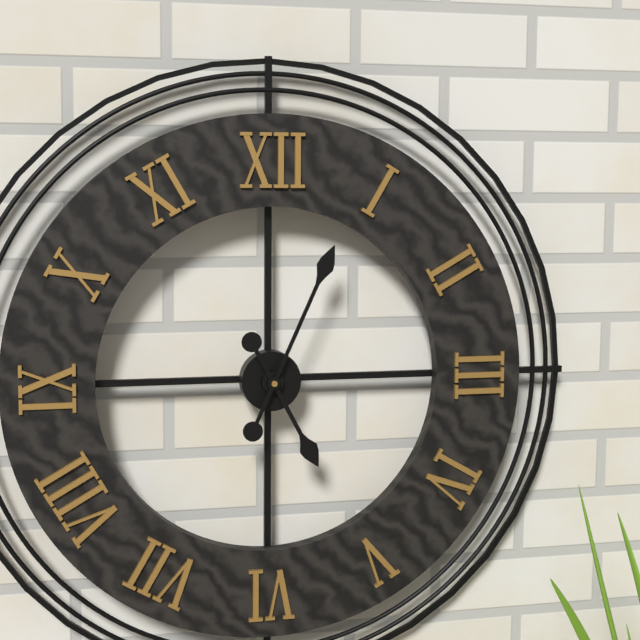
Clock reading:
**5:04**
